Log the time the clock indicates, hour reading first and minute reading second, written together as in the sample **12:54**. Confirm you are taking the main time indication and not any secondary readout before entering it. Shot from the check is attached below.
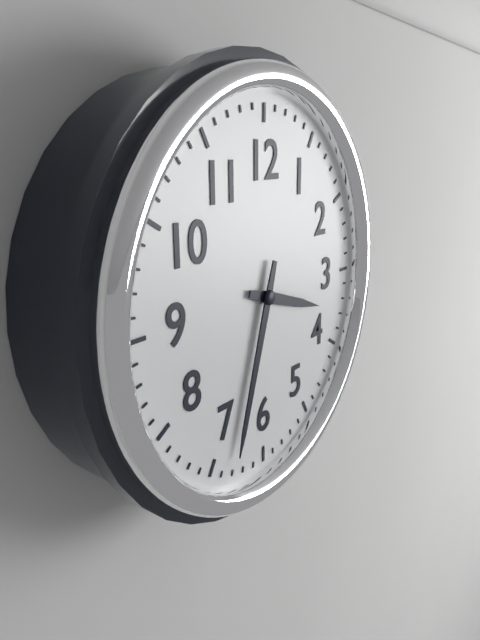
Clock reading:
**3:33**
